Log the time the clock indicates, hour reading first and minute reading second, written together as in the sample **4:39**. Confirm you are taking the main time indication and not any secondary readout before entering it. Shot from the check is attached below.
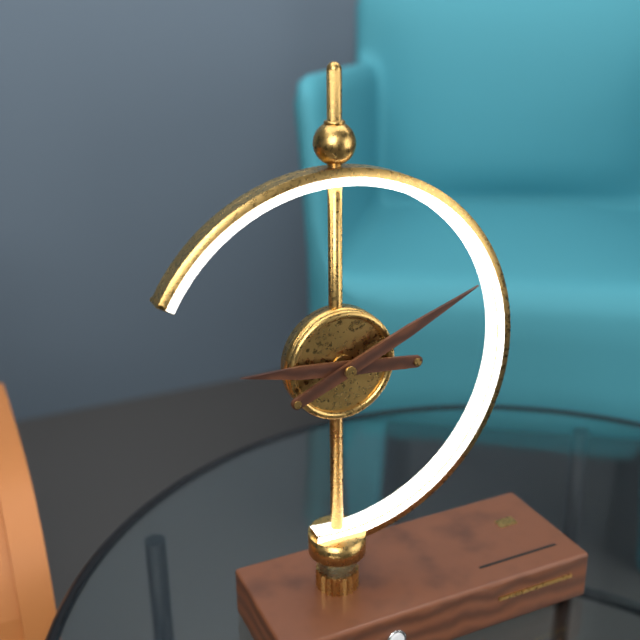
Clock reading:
**9:11**
